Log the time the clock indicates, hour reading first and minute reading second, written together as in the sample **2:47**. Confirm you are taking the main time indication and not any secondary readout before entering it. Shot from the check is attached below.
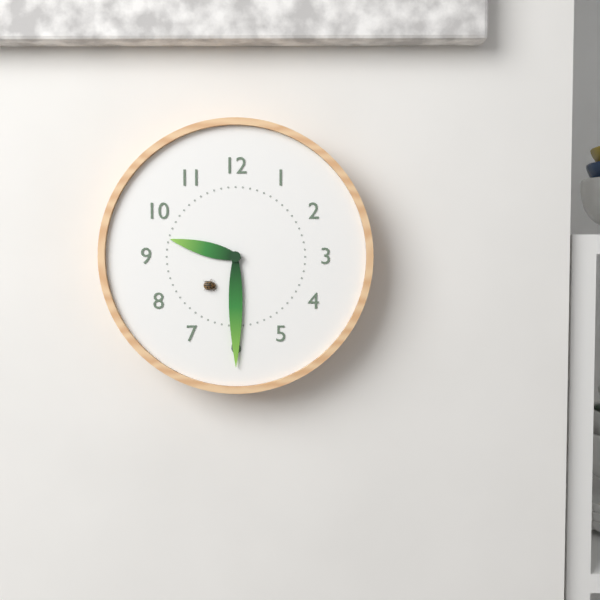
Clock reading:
**9:30**
